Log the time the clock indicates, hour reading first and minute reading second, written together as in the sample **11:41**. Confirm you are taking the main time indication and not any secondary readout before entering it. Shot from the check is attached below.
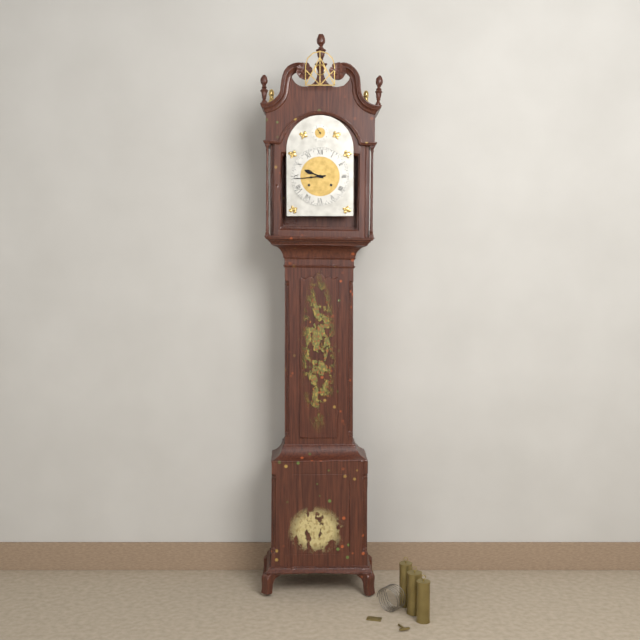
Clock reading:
**9:44**
